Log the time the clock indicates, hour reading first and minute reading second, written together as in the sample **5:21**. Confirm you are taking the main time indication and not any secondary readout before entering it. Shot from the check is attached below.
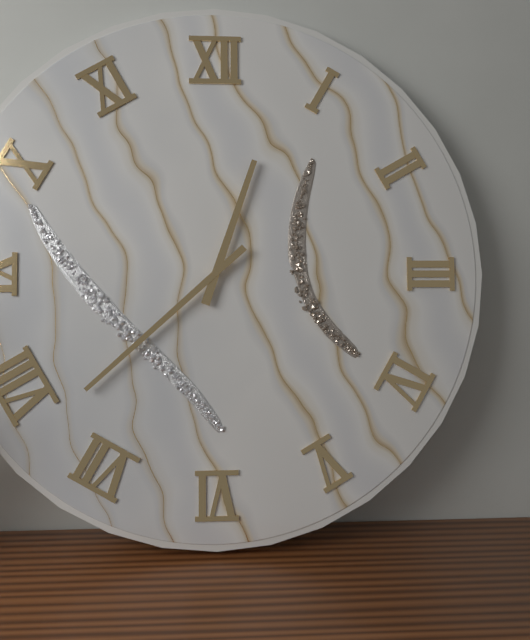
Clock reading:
**12:38**
